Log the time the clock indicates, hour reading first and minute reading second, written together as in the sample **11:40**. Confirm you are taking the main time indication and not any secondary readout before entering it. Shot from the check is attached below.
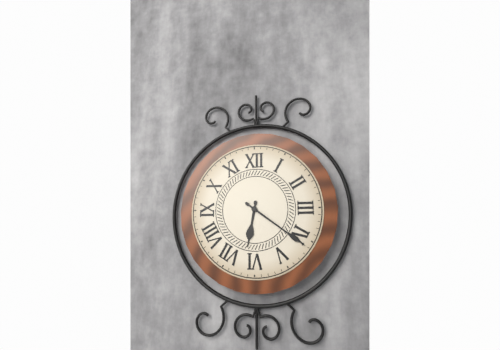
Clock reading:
**6:21**
